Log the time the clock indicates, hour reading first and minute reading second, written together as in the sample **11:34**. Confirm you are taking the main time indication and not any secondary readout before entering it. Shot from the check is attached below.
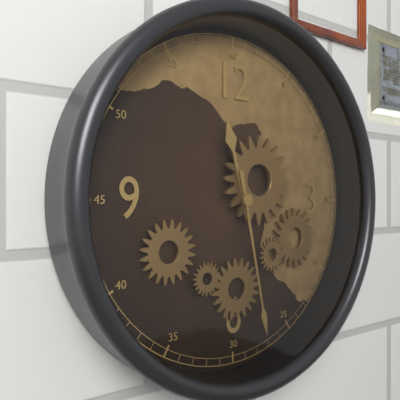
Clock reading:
**11:28**
